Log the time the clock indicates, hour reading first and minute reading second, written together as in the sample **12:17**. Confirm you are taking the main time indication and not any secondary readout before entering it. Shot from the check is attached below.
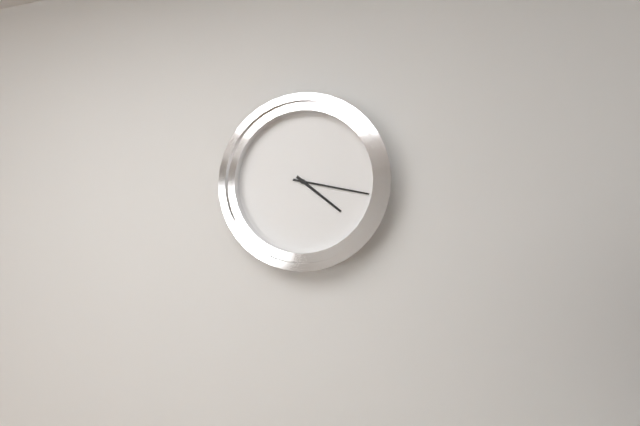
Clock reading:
**4:17**
